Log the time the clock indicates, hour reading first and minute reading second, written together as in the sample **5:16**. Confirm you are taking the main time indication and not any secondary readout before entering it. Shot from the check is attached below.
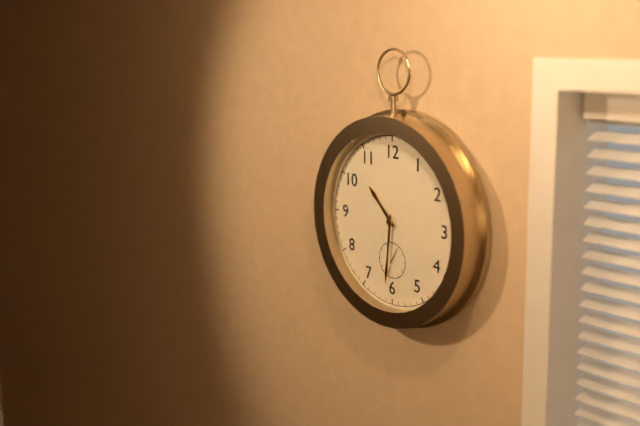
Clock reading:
**10:31**
